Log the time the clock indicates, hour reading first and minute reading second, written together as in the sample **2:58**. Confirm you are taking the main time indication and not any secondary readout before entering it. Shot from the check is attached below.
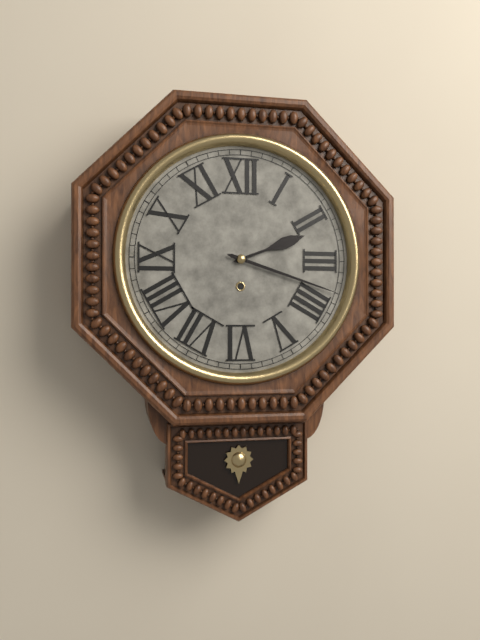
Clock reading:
**2:18**
